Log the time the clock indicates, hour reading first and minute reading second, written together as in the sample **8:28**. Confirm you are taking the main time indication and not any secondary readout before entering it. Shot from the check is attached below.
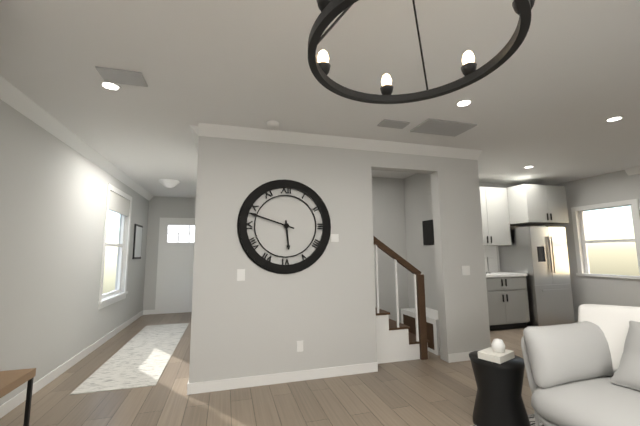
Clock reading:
**5:48**
